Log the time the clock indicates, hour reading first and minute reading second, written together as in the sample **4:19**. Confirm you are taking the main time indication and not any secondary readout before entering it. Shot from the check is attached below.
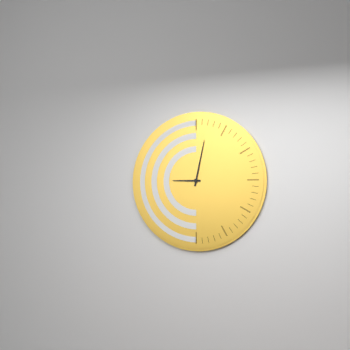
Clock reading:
**9:02**
